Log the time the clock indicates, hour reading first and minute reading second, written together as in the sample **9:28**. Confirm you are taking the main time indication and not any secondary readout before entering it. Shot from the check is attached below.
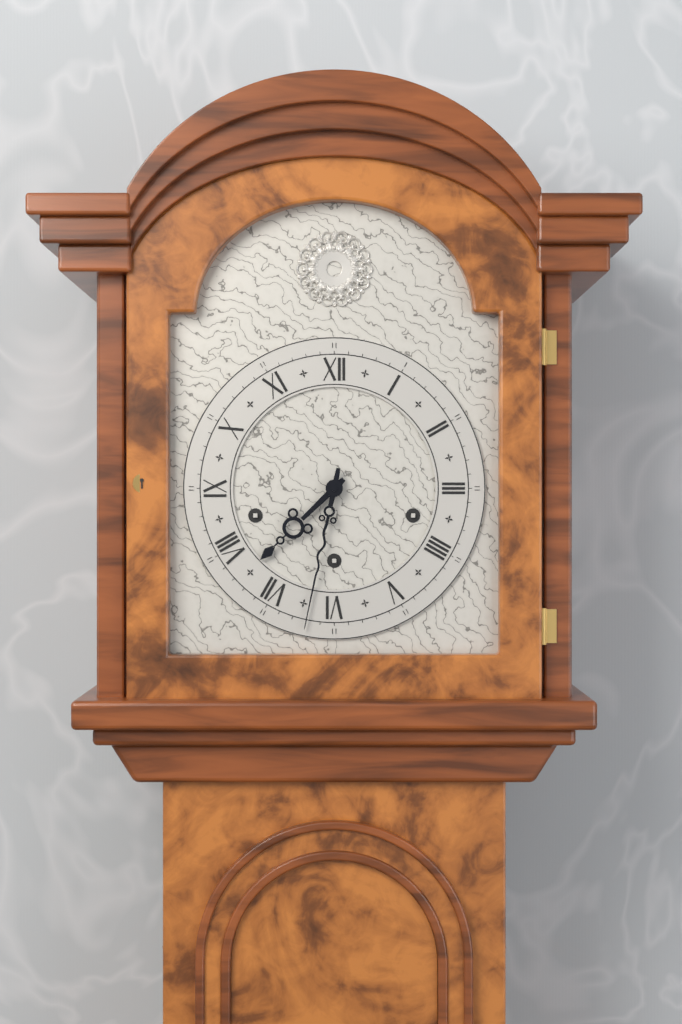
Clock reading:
**7:32**
